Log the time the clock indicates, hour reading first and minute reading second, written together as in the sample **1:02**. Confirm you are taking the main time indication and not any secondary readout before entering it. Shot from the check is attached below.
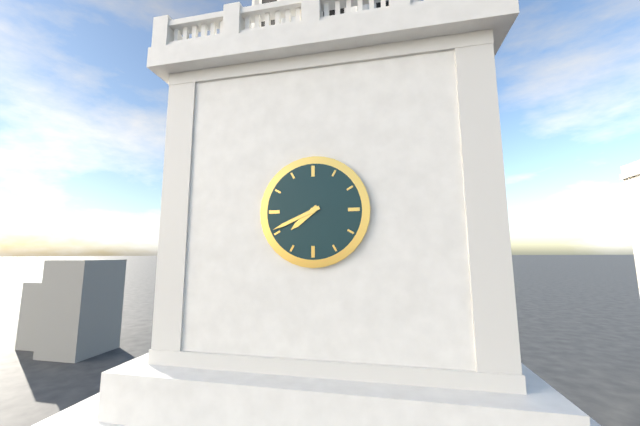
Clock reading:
**7:41**
